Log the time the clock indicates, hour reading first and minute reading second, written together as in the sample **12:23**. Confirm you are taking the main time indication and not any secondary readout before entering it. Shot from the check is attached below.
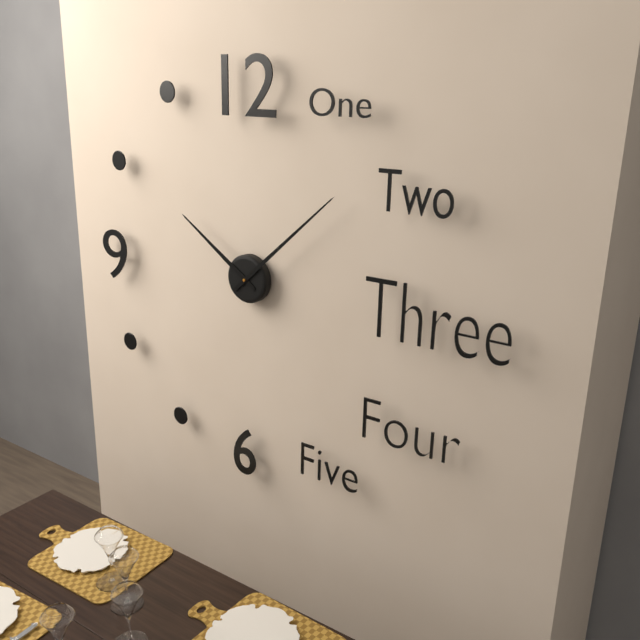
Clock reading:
**10:08**
